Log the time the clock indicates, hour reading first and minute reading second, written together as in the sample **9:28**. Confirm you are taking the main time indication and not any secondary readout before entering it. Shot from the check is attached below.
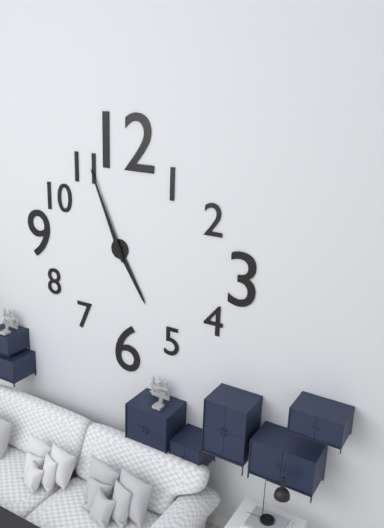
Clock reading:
**4:56**
